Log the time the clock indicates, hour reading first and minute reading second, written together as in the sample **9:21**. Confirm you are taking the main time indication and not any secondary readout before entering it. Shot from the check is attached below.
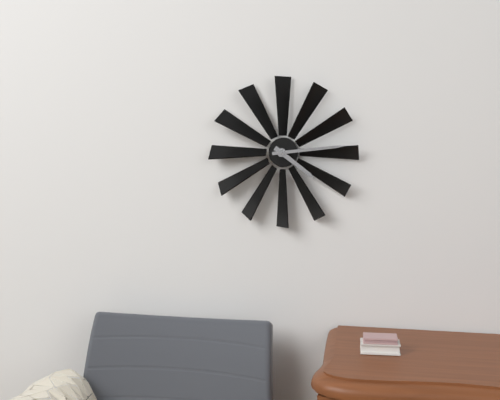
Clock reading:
**4:14**
